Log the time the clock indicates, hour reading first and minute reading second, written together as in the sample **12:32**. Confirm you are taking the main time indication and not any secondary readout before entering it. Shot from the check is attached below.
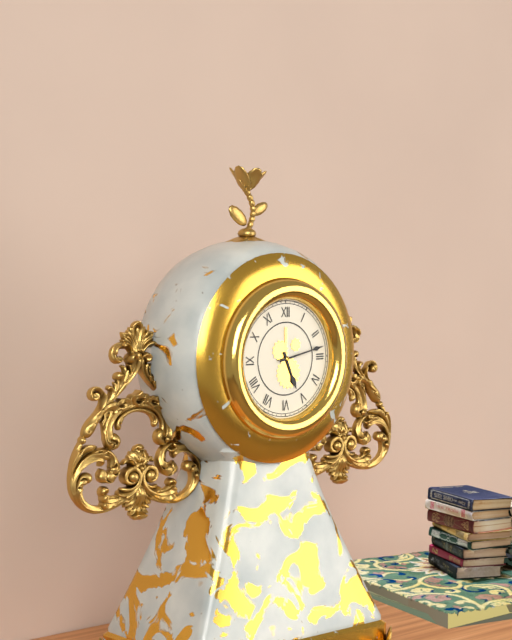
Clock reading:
**5:13**
